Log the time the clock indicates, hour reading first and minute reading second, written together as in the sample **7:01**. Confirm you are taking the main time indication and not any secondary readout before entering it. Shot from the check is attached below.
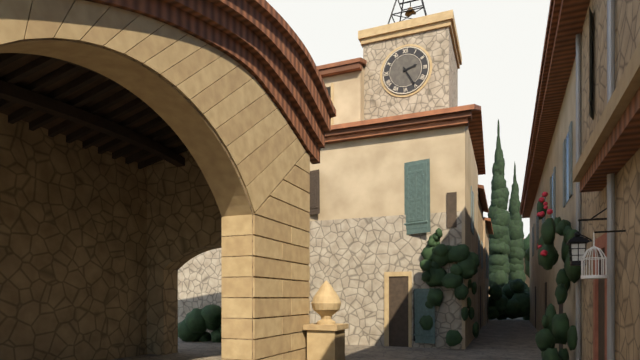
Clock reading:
**2:25**
